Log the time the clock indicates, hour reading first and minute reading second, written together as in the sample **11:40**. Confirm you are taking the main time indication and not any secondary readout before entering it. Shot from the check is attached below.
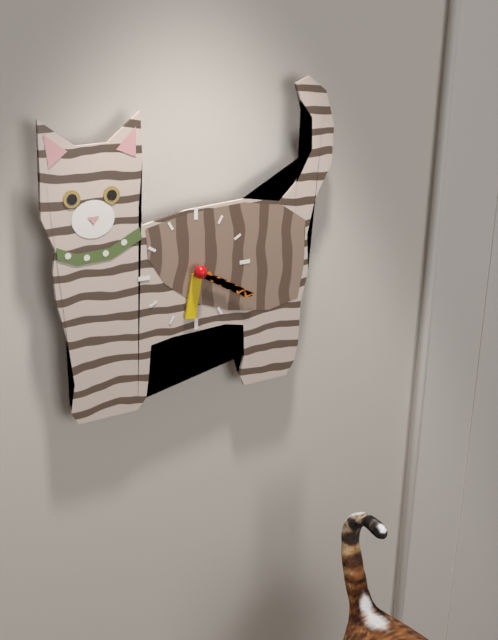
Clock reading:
**6:20**
